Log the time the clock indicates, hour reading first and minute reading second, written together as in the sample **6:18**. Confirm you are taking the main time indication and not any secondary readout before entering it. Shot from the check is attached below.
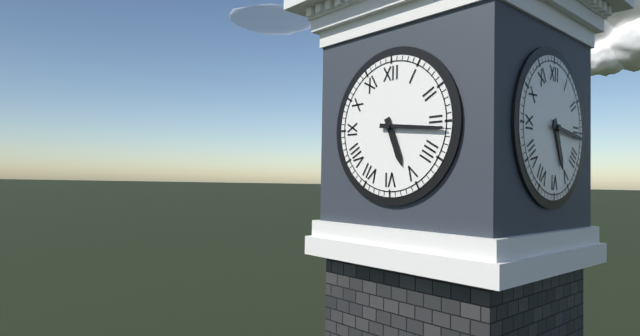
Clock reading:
**5:16**
